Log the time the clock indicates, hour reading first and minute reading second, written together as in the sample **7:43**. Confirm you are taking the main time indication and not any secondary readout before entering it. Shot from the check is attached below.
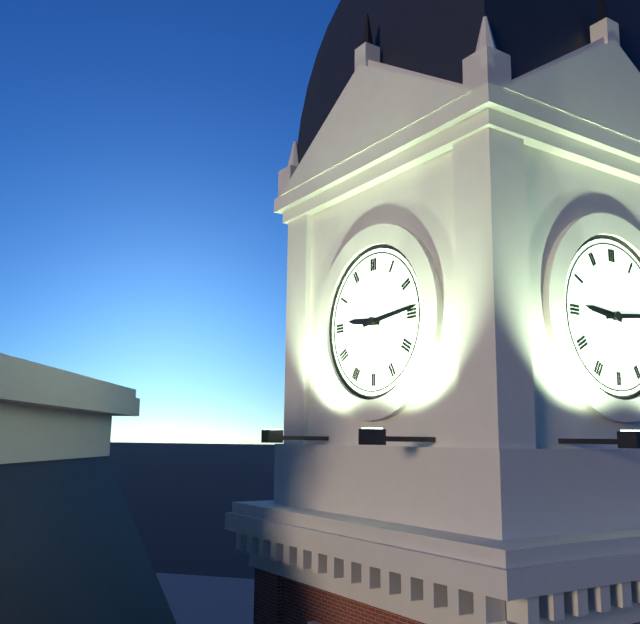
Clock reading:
**9:14**
